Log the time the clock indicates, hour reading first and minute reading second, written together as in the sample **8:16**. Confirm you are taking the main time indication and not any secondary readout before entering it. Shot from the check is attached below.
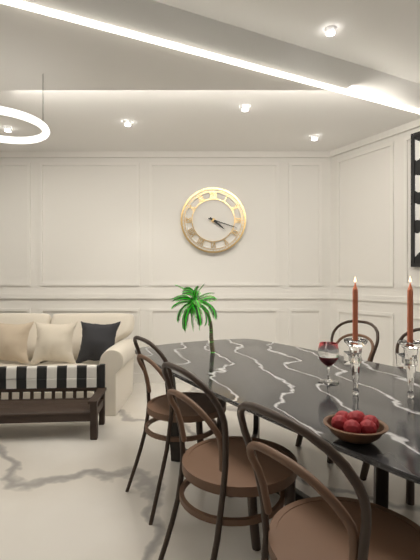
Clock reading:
**4:18**
